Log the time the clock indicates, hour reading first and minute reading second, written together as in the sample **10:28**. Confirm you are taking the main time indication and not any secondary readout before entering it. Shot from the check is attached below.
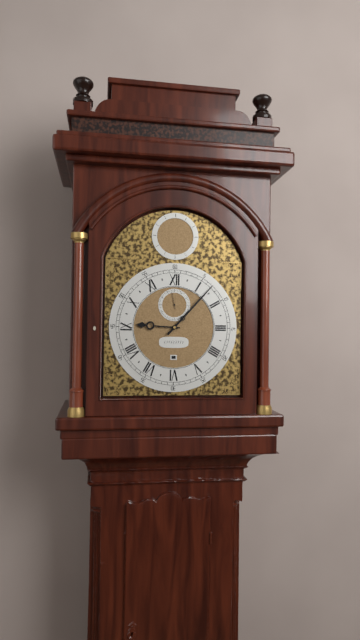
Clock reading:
**9:07**
